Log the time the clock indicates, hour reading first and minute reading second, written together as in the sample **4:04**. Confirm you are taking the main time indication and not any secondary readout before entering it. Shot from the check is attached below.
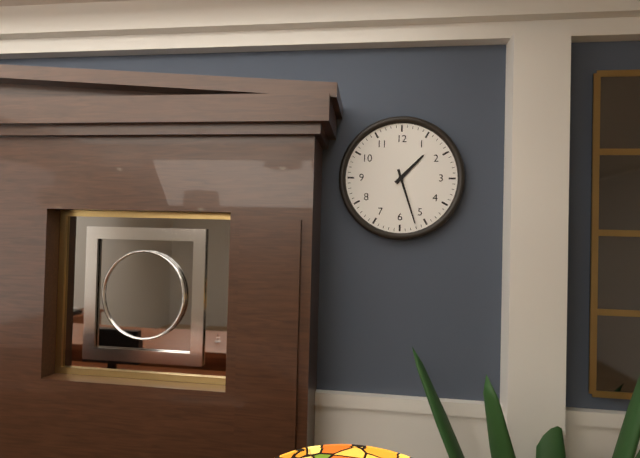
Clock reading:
**1:27**
